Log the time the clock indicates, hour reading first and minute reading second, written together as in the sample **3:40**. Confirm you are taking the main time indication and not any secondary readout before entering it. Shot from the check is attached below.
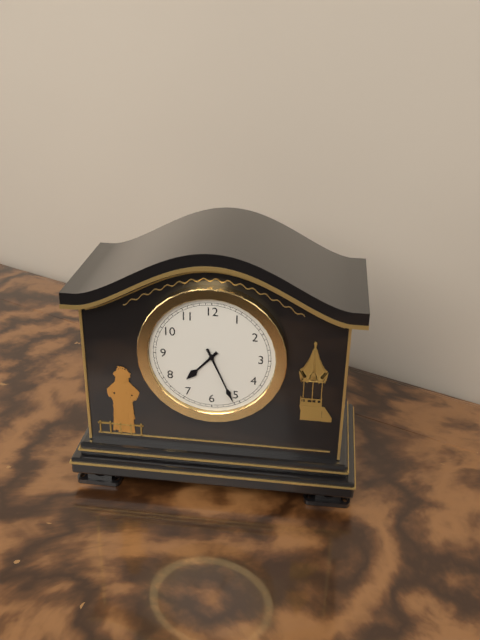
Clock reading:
**7:26**
